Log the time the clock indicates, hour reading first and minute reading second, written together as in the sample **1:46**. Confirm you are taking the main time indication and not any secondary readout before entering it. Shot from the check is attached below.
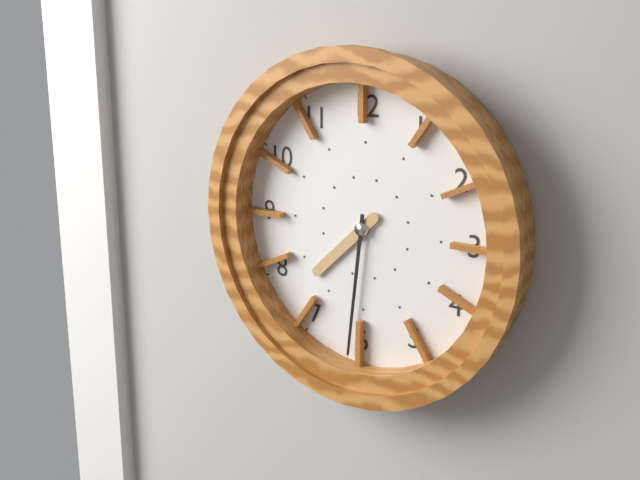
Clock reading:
**7:31**
